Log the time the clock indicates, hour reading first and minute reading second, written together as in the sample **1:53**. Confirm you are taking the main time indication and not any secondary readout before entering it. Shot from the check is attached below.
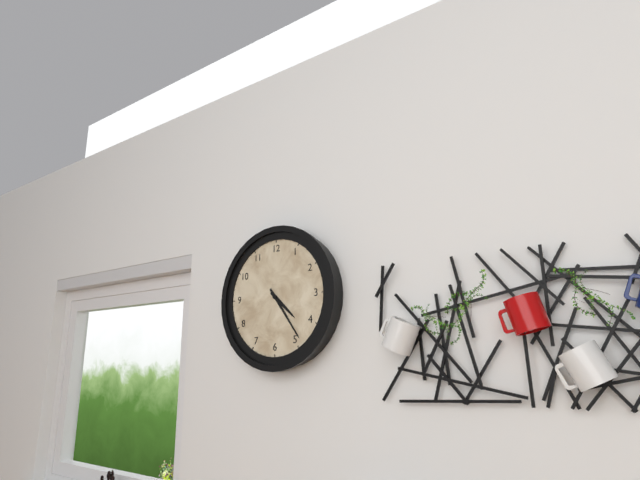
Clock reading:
**4:24**
